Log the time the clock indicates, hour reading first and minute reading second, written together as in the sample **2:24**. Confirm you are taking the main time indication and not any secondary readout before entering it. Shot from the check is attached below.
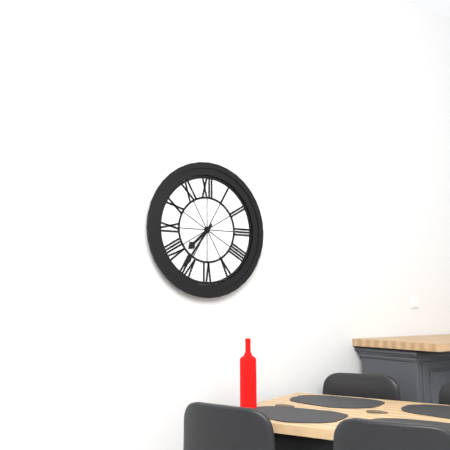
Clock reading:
**7:36**
